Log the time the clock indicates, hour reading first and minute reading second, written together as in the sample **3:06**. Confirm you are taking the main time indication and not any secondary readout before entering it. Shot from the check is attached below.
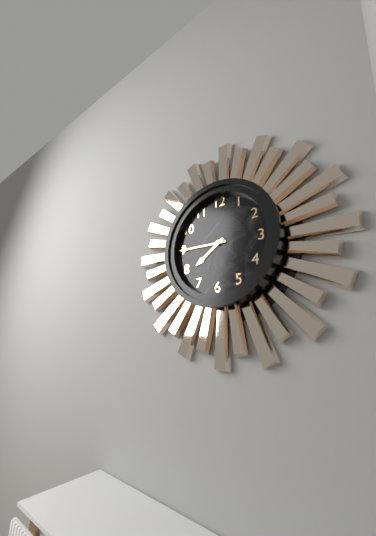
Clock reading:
**7:45**
